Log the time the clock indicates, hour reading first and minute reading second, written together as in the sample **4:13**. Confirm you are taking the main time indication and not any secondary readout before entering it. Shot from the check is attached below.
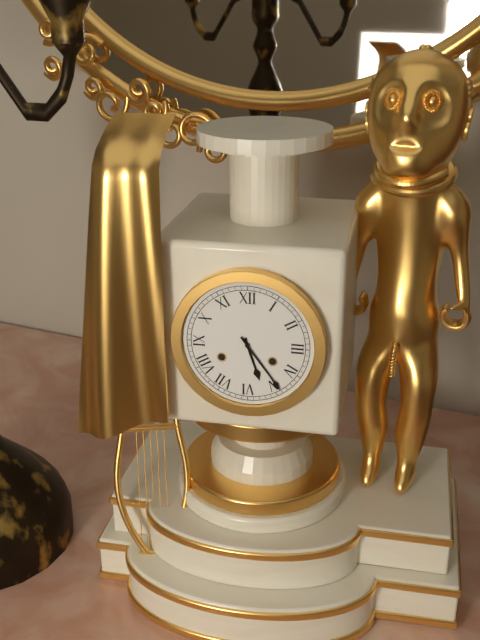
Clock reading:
**5:24**
